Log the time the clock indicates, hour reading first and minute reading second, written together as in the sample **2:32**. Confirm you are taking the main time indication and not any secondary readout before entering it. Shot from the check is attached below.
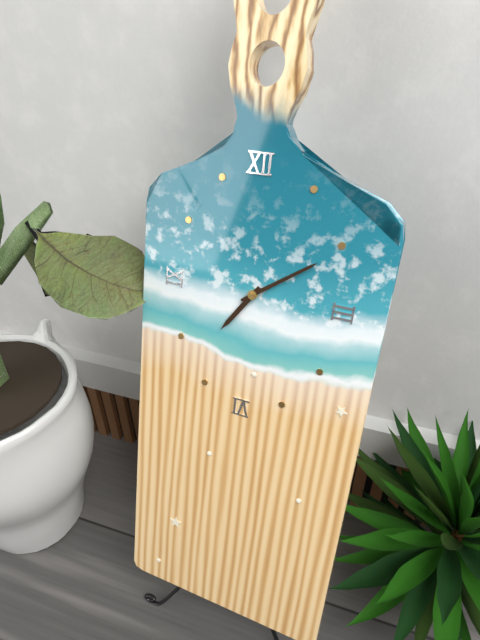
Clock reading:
**7:09**
